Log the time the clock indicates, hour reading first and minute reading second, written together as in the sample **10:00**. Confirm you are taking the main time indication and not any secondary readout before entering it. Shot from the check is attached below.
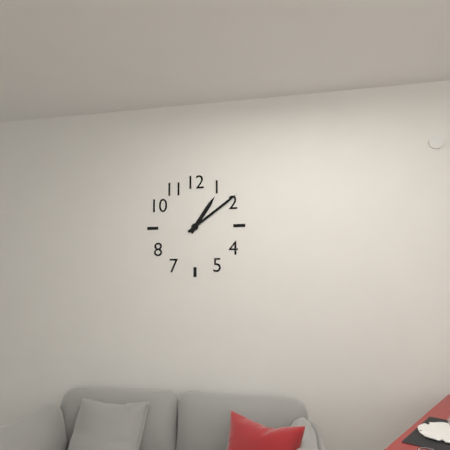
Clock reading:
**1:09**
